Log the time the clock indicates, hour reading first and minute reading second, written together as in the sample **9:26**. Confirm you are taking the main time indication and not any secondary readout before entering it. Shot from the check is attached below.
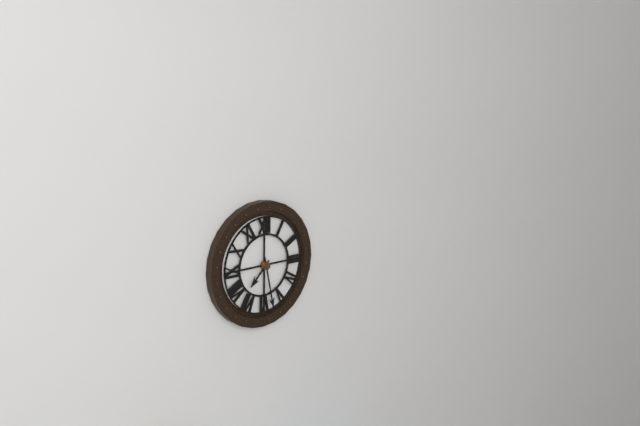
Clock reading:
**7:28**
